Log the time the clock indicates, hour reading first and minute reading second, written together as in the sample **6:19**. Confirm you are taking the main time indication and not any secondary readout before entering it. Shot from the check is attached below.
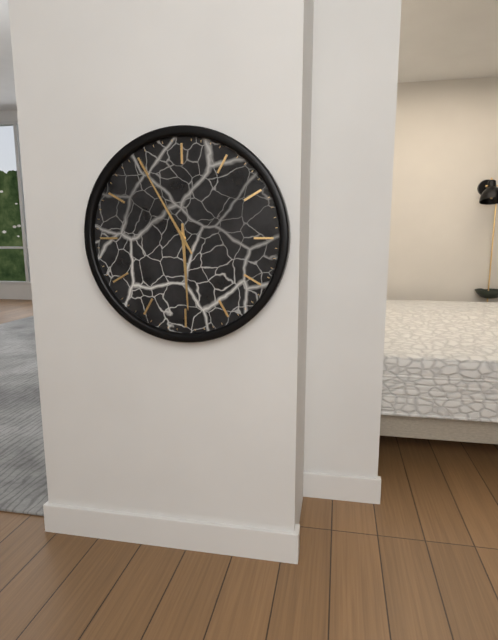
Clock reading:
**5:55**
